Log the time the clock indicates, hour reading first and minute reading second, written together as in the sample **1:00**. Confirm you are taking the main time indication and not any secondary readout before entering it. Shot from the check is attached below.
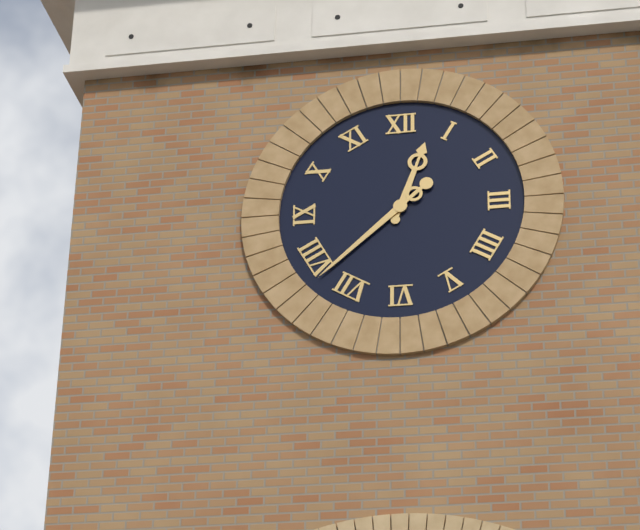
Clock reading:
**12:38**
